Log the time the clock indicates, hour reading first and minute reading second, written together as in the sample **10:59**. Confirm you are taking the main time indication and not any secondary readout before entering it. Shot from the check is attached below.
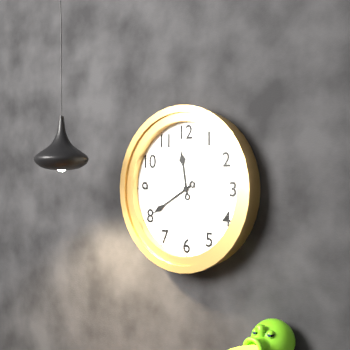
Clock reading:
**11:40**
